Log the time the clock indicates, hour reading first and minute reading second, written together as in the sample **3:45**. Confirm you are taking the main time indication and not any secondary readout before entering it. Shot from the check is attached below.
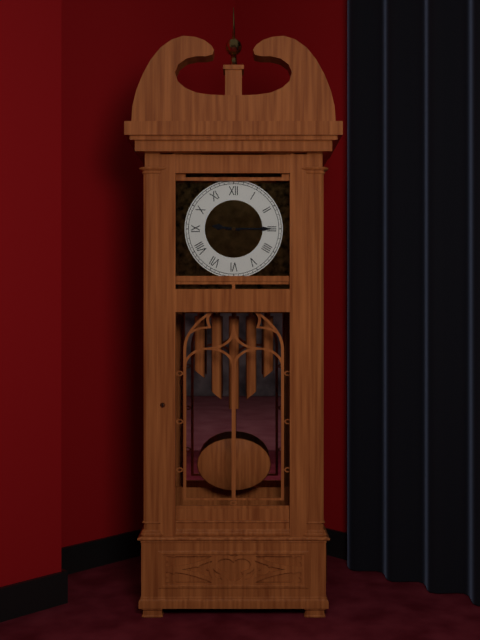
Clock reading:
**9:15**
